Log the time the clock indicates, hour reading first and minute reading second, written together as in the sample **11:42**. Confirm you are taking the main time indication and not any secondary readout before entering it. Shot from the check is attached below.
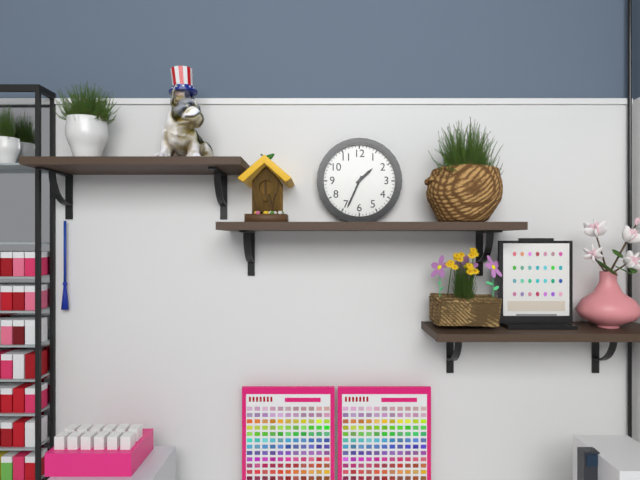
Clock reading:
**1:34**
